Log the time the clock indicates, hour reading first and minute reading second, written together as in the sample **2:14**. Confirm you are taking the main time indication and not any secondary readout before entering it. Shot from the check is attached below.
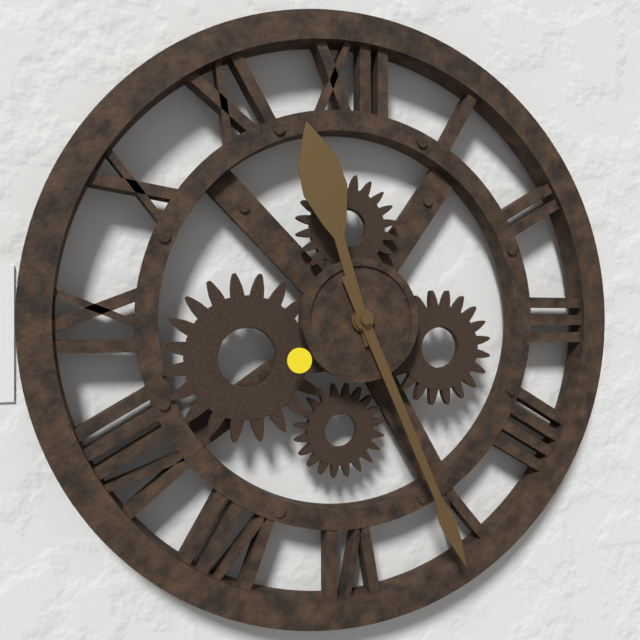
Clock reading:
**11:26**
